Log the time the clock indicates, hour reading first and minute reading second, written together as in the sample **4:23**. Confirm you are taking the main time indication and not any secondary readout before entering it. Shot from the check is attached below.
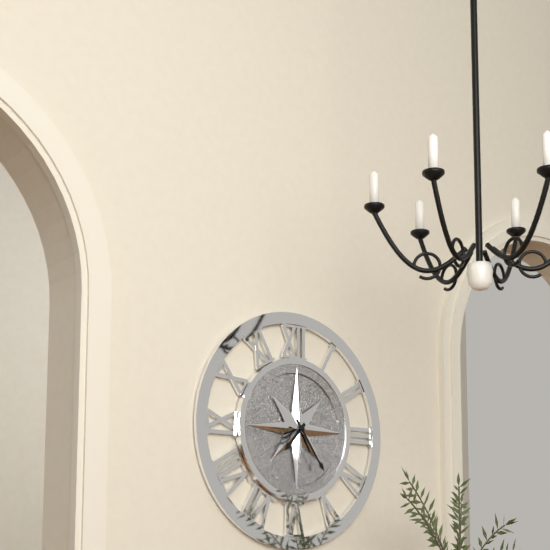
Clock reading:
**7:24**
